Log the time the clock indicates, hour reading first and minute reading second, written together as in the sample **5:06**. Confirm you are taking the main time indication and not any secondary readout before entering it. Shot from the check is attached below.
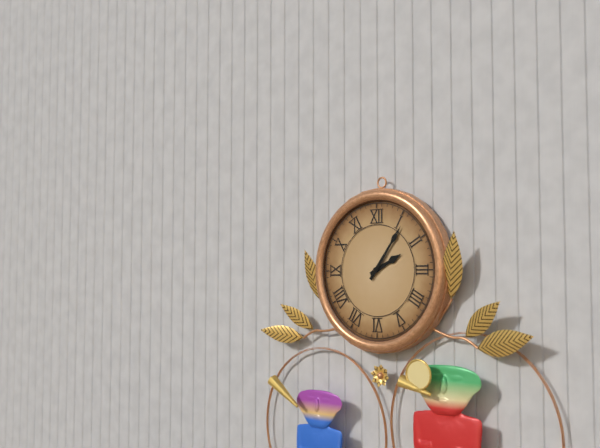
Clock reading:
**2:06**
